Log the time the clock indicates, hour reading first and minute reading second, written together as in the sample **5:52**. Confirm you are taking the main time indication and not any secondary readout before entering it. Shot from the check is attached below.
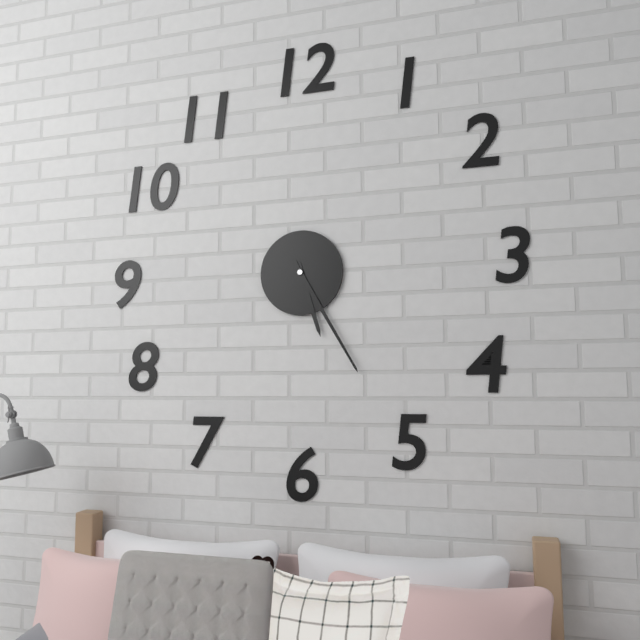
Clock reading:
**5:25**
